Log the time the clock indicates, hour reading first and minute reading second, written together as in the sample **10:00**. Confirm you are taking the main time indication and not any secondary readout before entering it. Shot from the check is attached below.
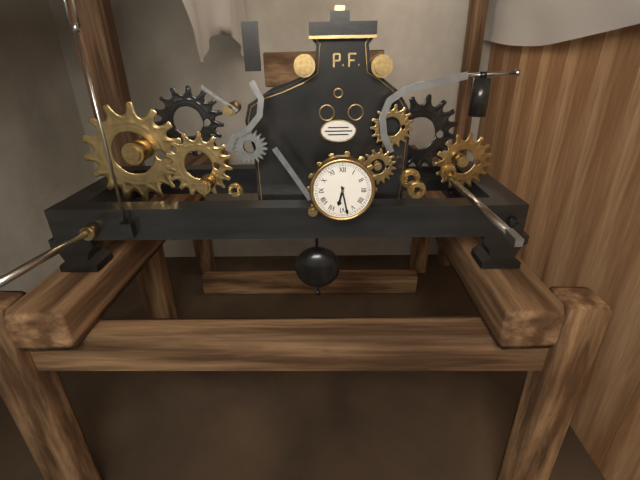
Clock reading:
**6:28**
